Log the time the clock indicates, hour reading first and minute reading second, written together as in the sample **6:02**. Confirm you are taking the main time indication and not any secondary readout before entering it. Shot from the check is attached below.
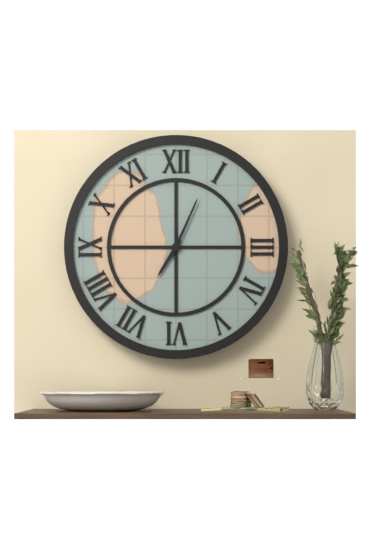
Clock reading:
**7:04**
